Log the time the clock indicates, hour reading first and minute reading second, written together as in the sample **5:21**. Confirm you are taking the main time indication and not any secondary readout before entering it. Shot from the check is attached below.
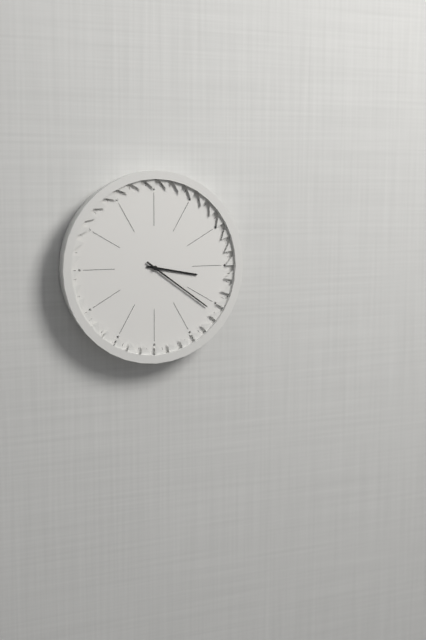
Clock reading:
**3:21**
